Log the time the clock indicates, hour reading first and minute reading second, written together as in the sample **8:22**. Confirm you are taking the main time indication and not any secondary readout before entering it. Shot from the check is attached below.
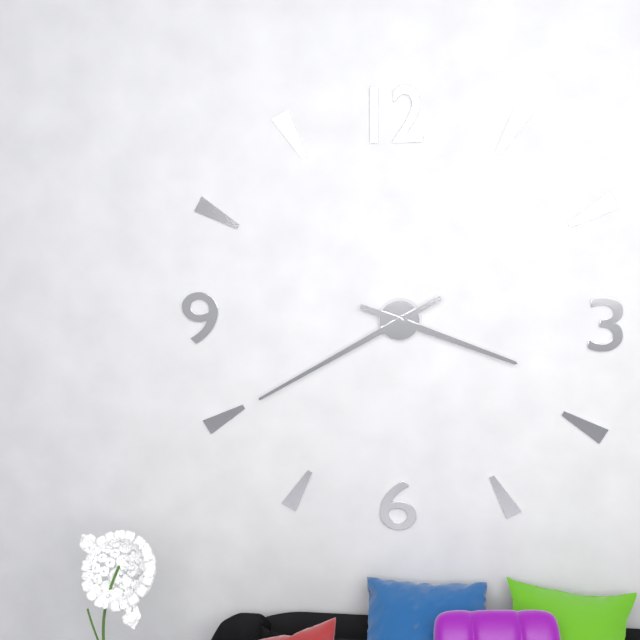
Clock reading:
**3:40**
